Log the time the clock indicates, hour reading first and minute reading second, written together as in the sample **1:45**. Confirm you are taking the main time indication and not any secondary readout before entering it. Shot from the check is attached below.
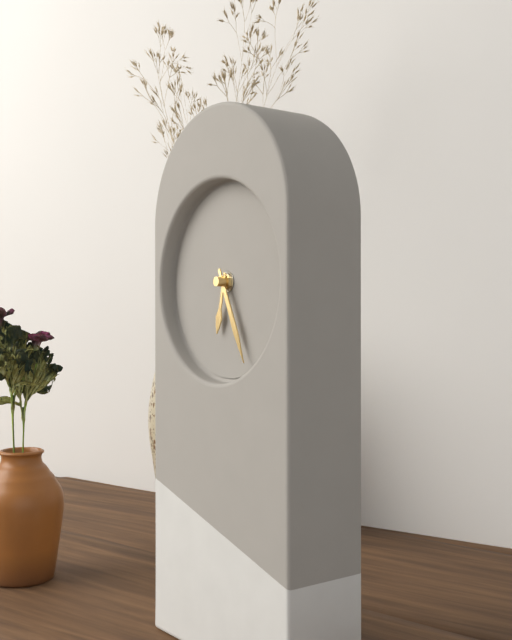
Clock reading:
**6:26**
